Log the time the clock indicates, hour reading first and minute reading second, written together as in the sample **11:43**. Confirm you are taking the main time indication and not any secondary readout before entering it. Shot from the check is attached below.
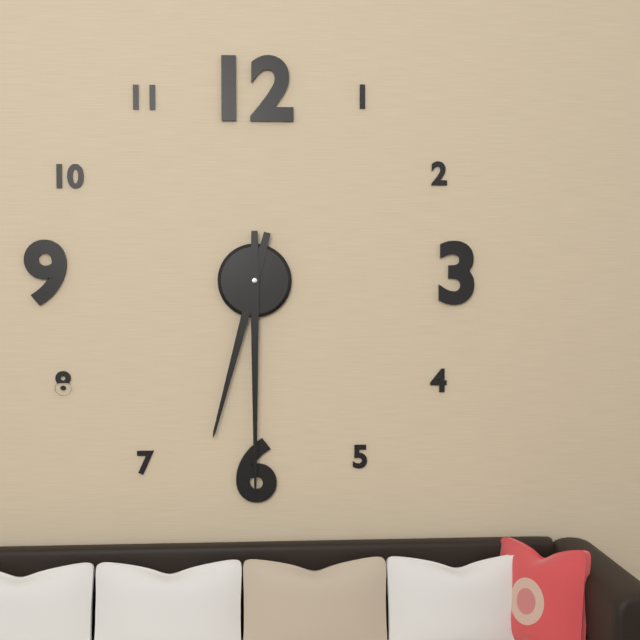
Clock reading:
**6:30**
